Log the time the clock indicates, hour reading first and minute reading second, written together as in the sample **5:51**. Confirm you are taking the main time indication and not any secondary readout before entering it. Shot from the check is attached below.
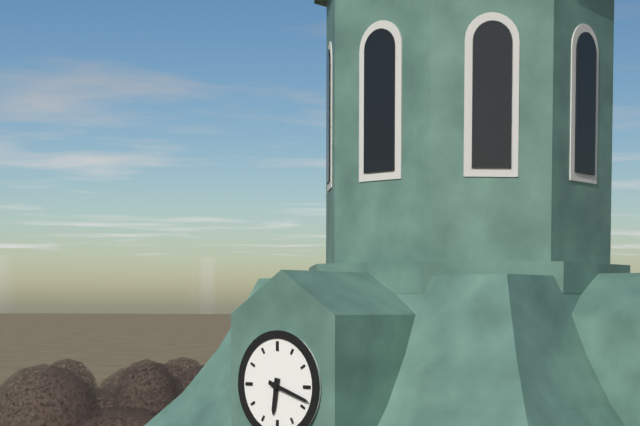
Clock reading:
**6:18**
